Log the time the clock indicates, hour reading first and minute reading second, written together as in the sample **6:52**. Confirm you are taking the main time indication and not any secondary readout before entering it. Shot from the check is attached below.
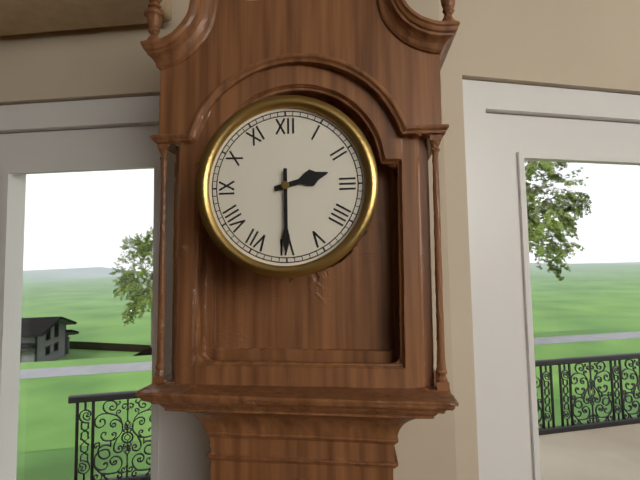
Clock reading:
**2:30**
